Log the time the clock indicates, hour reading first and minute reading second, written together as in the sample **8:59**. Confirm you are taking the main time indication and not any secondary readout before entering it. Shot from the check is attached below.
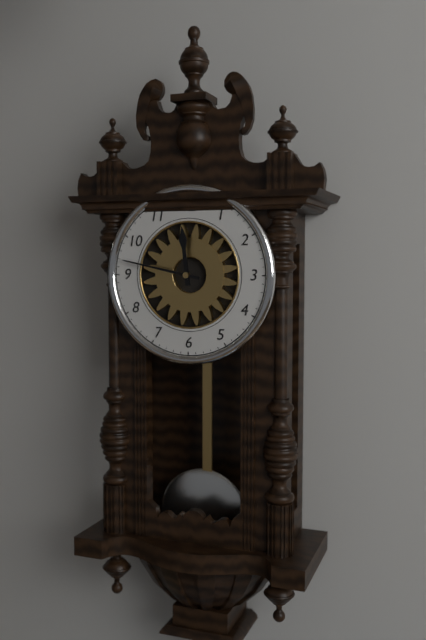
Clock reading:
**11:47**
